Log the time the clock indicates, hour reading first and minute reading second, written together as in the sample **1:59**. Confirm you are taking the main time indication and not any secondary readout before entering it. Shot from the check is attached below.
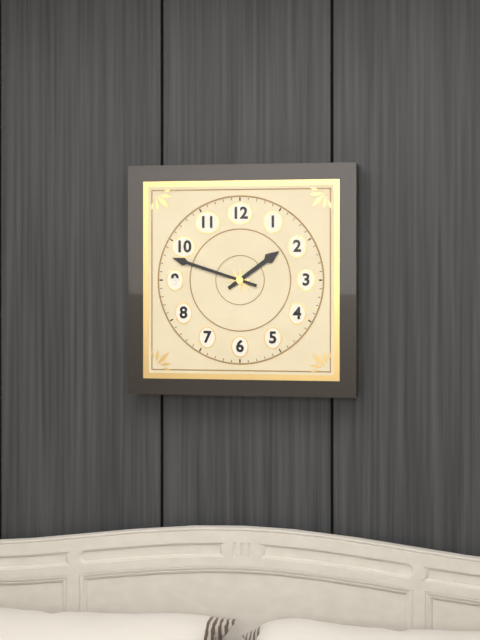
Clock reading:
**1:48**
